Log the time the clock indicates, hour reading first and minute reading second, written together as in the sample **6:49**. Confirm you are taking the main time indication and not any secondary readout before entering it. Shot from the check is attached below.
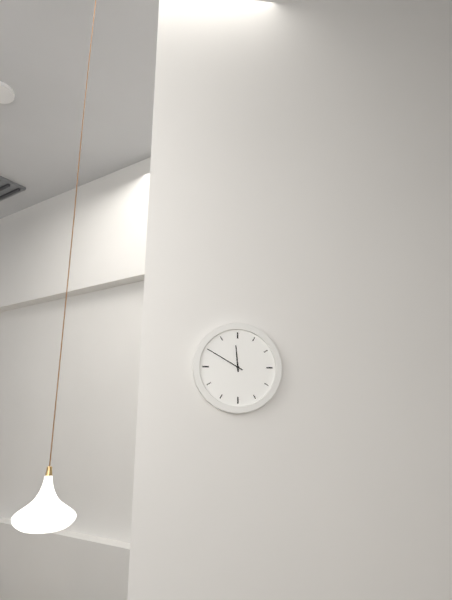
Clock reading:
**11:50**
